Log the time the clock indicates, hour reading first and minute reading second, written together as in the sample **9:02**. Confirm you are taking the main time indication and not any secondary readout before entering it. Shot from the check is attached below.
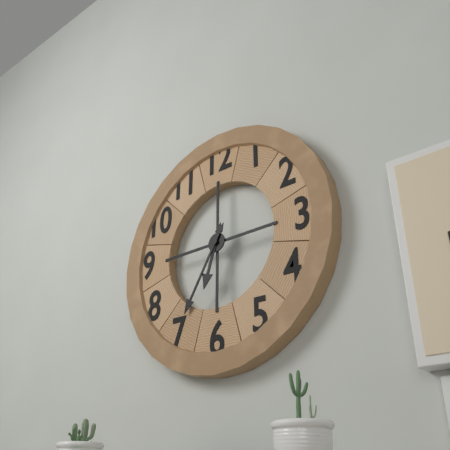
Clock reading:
**6:35**
